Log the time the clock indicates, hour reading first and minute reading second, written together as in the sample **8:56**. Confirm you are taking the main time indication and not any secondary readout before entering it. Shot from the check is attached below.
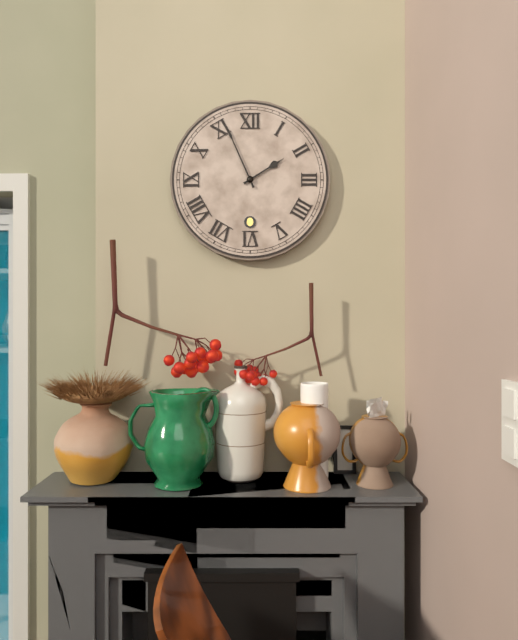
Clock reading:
**1:56**
